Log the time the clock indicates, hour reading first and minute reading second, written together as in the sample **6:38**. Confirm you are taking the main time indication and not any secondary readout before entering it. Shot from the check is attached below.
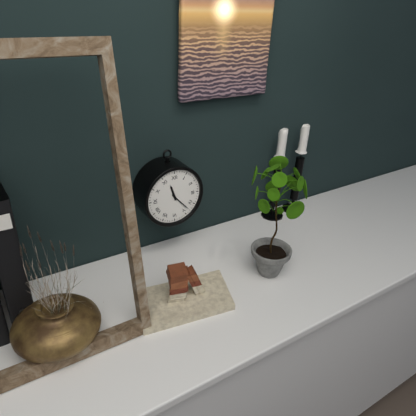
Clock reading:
**11:23**
